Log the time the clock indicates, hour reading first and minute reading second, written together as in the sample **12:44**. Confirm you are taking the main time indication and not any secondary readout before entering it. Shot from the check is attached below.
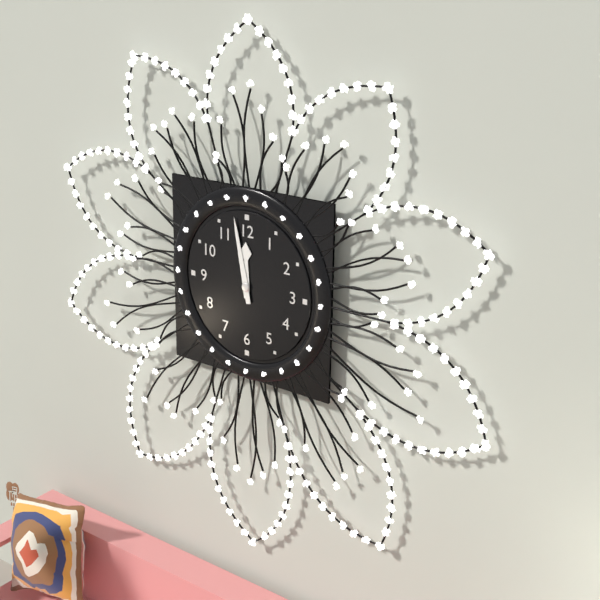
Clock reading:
**11:58**
